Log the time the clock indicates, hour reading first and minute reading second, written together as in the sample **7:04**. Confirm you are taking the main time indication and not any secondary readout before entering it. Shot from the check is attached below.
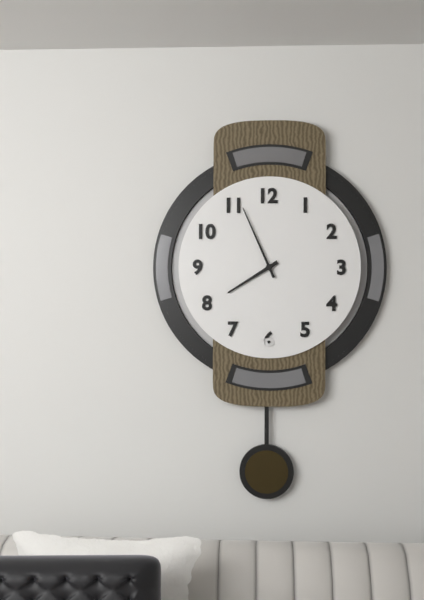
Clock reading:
**7:56**
